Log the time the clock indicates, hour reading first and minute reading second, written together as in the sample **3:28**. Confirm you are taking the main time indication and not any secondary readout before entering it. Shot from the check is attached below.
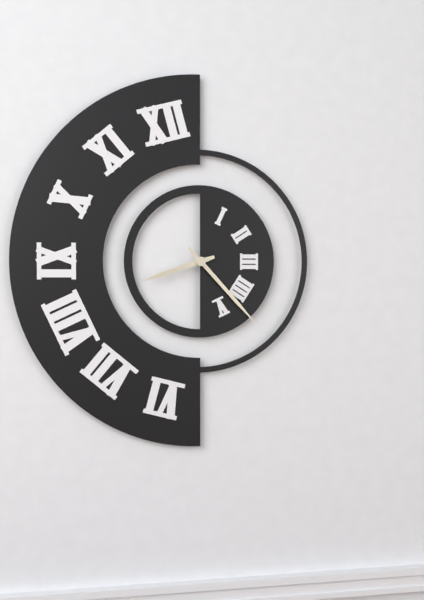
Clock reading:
**8:23**
